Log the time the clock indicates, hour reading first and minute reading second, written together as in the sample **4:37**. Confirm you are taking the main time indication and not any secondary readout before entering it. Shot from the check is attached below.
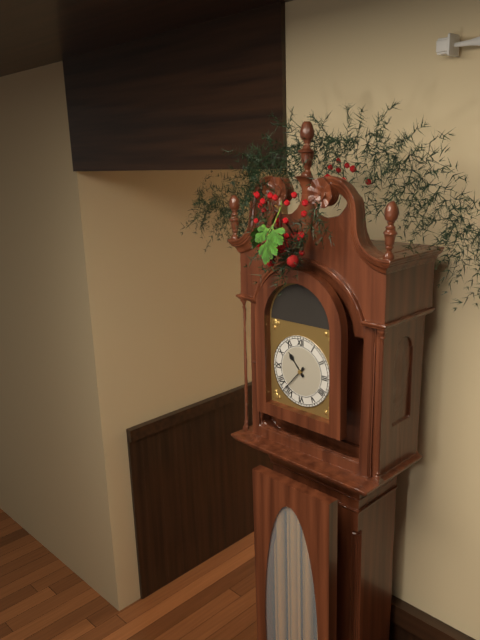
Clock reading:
**10:37**
